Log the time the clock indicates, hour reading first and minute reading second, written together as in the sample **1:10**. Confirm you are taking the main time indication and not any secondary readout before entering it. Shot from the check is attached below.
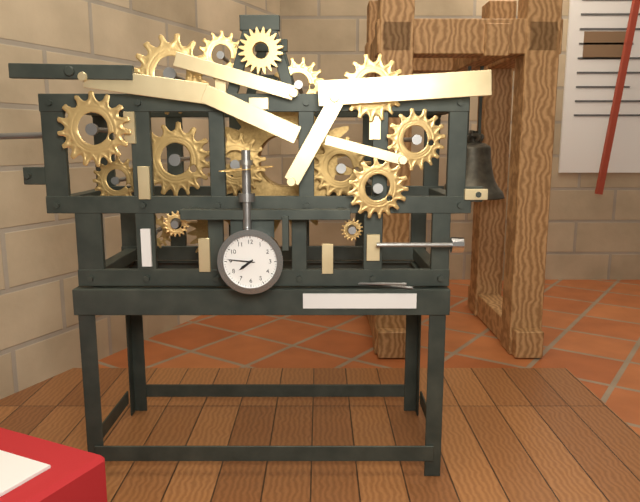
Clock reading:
**7:46**
